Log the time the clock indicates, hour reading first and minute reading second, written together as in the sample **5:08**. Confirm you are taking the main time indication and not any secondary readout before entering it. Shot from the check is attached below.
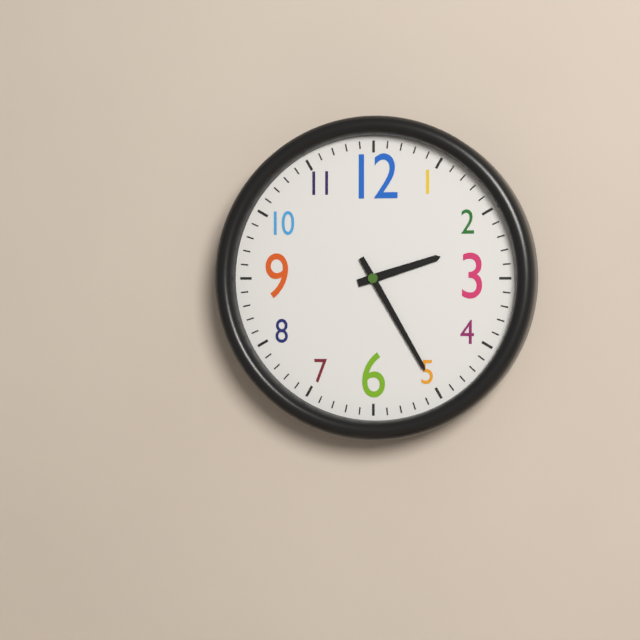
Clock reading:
**2:25**
